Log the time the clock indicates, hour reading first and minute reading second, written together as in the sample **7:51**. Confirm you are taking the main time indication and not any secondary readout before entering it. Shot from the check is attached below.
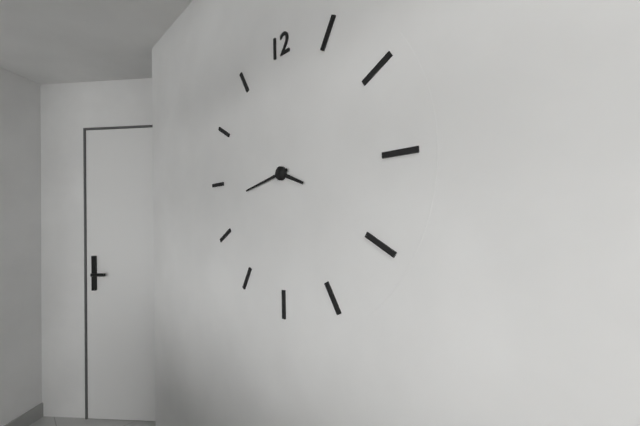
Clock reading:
**3:43**
